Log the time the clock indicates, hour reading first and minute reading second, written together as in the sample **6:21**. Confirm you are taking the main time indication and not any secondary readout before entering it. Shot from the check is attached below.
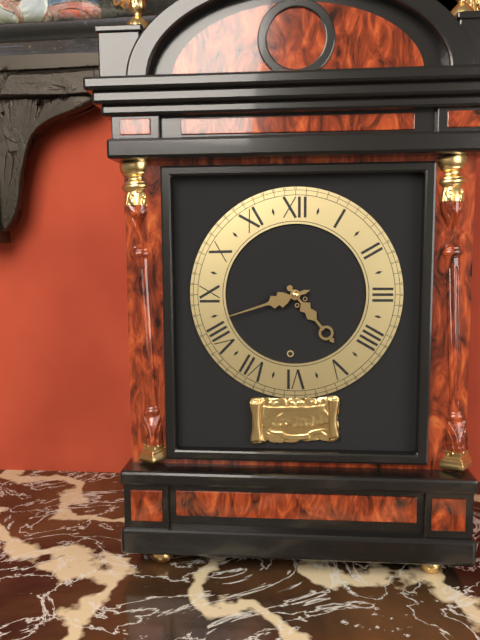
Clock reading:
**4:42**
